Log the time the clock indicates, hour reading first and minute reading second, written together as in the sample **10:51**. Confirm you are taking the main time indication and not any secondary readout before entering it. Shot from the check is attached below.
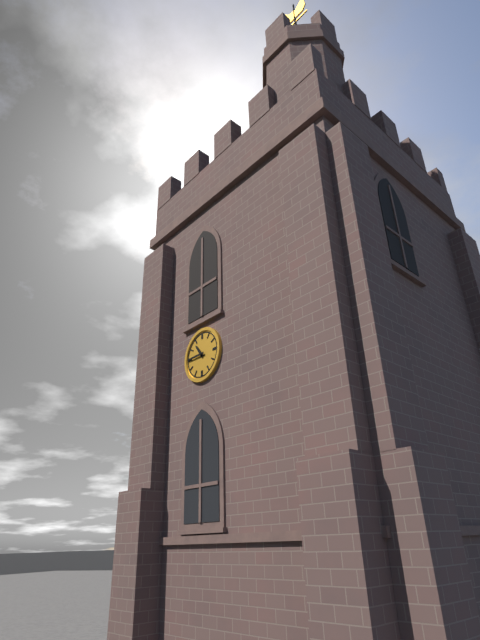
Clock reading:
**10:45**
